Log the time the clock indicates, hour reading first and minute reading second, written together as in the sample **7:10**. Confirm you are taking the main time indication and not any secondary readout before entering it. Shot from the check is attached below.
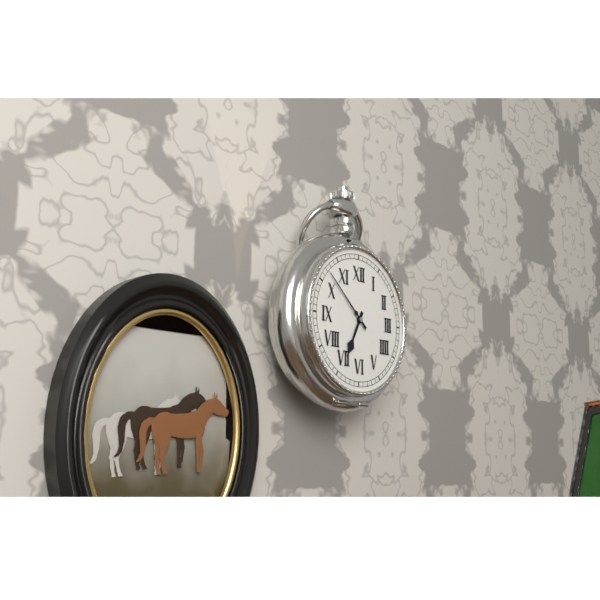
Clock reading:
**6:52**
